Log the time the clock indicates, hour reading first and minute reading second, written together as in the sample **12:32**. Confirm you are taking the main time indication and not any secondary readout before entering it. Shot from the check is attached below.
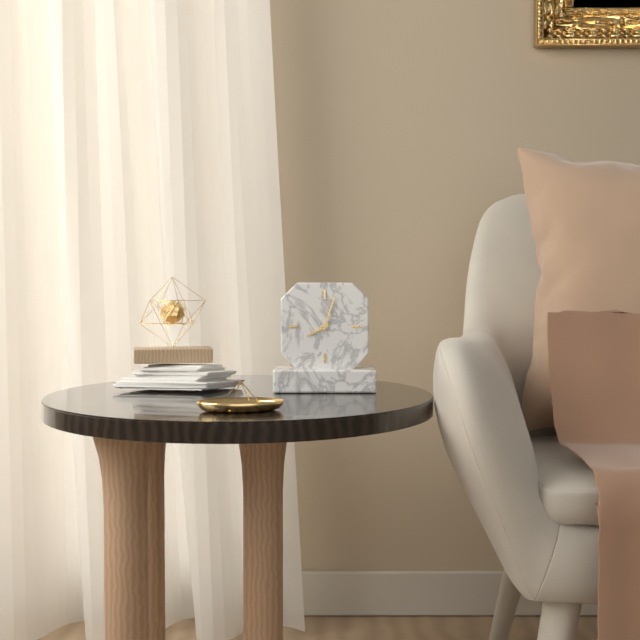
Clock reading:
**8:03**
